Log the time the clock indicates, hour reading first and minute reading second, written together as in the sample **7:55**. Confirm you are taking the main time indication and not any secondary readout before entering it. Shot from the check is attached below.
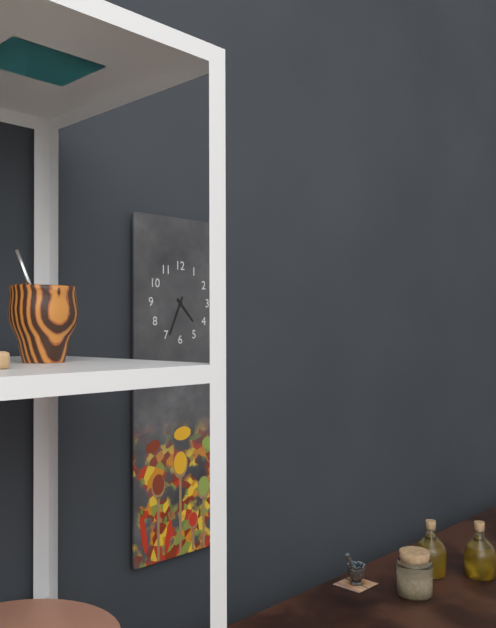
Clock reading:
**4:34**
